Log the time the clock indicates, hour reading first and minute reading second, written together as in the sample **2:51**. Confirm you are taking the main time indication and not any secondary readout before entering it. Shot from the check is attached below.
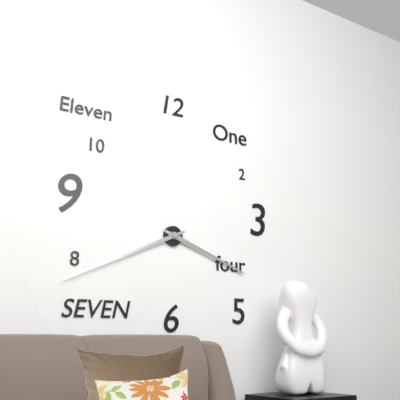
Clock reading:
**3:41**
